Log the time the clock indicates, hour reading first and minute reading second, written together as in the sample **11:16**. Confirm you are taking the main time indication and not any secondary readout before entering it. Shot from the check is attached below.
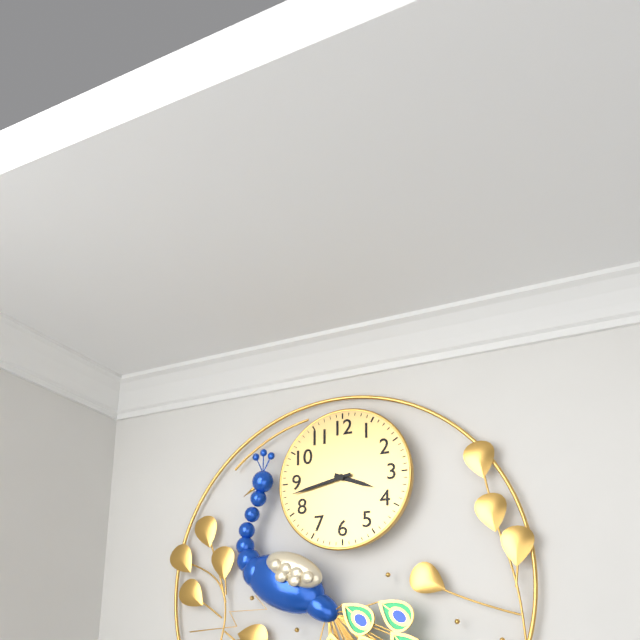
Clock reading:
**3:43**
